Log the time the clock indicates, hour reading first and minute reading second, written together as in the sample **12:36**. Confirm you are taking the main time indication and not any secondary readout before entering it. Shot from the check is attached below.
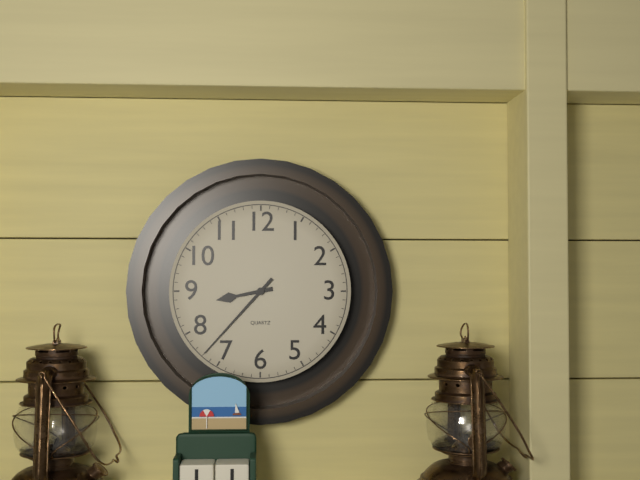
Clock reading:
**8:37**
